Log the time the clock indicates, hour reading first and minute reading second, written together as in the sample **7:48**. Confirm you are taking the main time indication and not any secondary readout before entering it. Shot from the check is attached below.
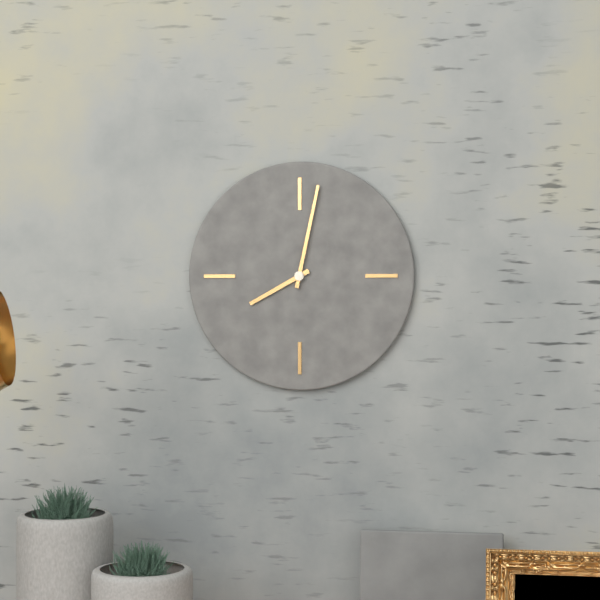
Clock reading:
**8:02**
